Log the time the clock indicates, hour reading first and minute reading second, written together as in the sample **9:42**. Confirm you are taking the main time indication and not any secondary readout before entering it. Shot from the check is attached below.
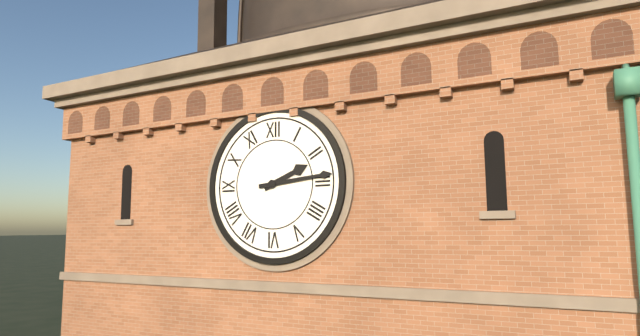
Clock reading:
**2:14**
